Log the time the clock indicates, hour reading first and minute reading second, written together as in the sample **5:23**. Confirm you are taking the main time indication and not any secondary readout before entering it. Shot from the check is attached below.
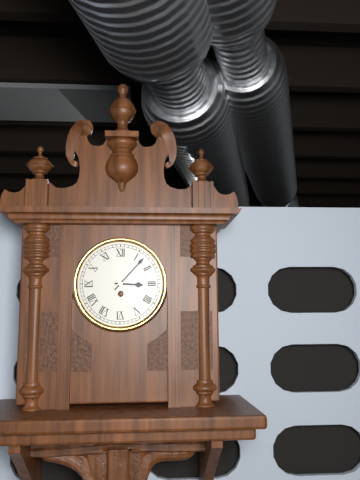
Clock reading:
**3:07**
